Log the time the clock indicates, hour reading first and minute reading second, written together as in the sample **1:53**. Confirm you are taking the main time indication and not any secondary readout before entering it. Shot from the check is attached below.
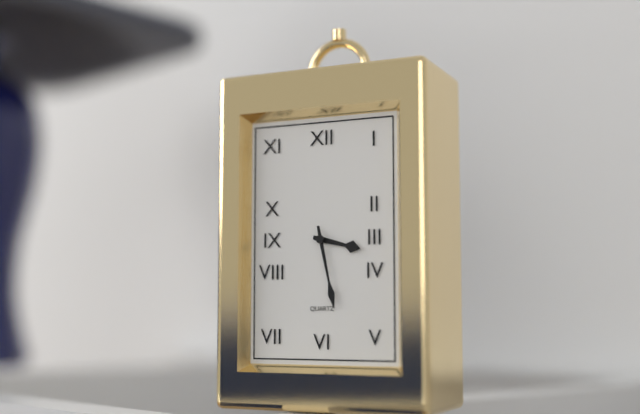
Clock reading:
**3:28**
